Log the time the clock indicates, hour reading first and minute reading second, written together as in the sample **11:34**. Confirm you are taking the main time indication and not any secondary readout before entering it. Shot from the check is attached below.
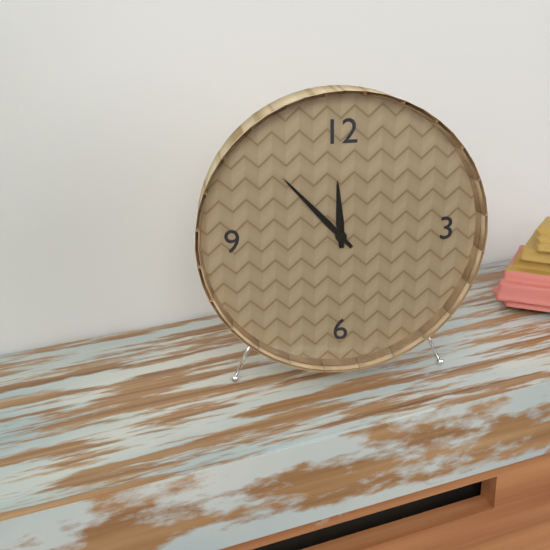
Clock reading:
**11:53**
